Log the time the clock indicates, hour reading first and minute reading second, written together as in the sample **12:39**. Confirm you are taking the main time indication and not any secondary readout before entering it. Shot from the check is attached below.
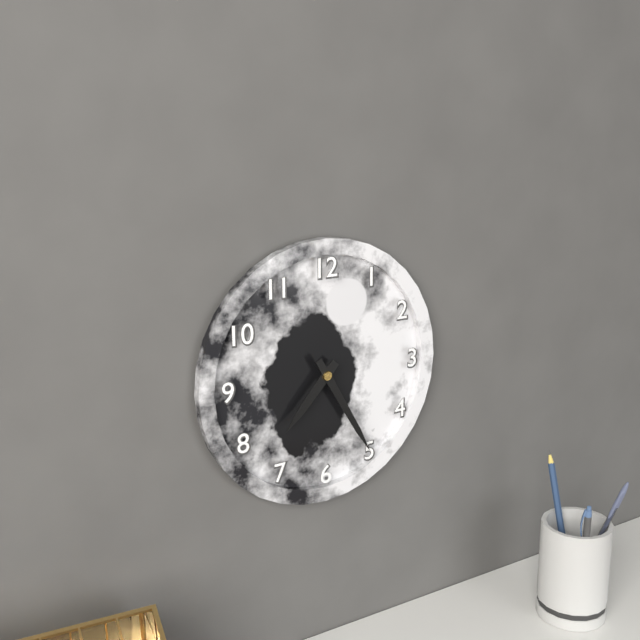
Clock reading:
**7:25**
